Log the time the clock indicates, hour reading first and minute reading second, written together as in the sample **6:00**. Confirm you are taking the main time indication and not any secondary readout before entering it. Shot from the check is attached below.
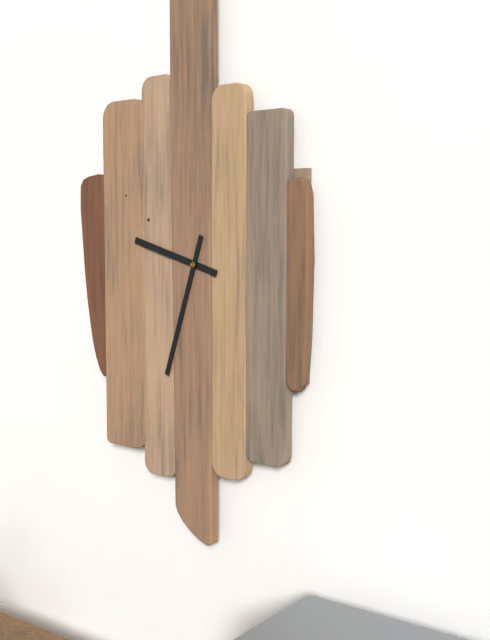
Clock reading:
**9:33**
